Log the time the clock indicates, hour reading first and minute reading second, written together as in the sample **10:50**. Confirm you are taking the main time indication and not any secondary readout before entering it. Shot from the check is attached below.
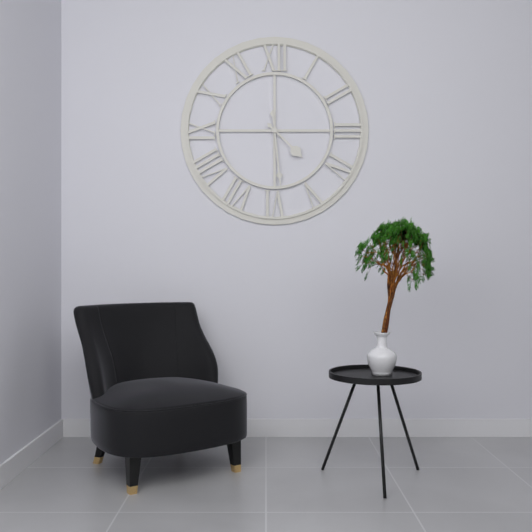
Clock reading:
**4:29**
